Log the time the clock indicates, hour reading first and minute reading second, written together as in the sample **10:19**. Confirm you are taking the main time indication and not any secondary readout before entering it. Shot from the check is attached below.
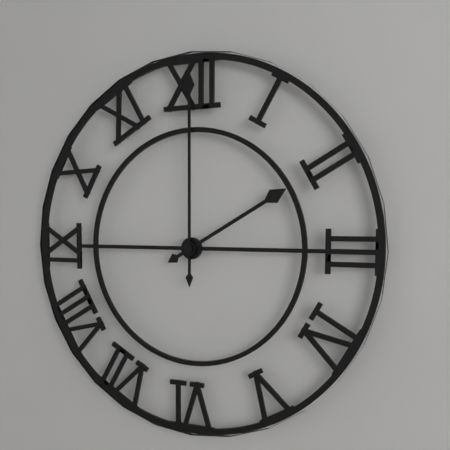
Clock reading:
**2:00**
